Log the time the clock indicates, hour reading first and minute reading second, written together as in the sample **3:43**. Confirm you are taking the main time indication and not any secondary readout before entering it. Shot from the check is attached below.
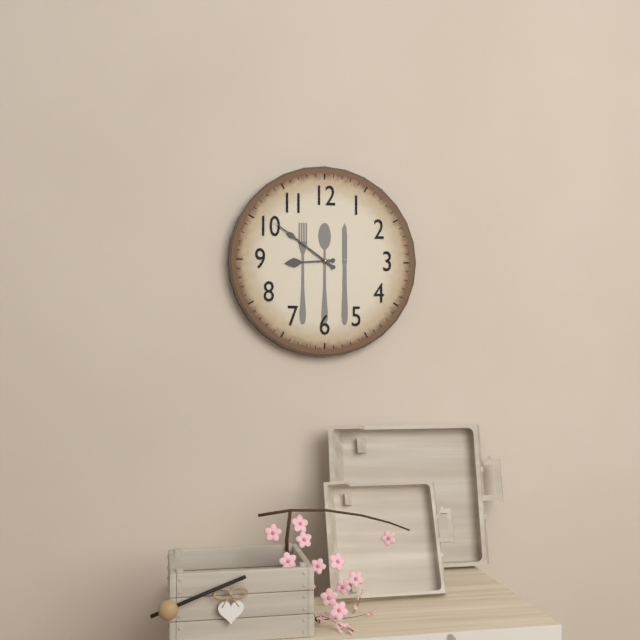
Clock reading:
**8:51**
